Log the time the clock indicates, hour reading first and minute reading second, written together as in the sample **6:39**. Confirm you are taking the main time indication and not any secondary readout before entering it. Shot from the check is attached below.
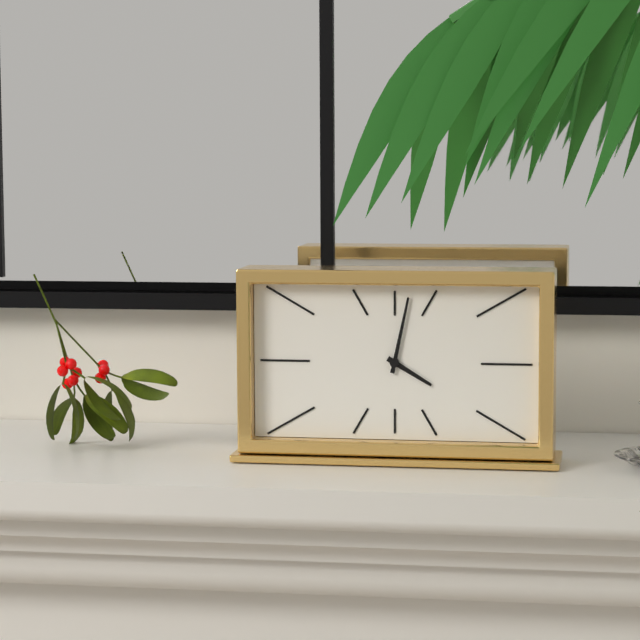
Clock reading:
**4:02**
